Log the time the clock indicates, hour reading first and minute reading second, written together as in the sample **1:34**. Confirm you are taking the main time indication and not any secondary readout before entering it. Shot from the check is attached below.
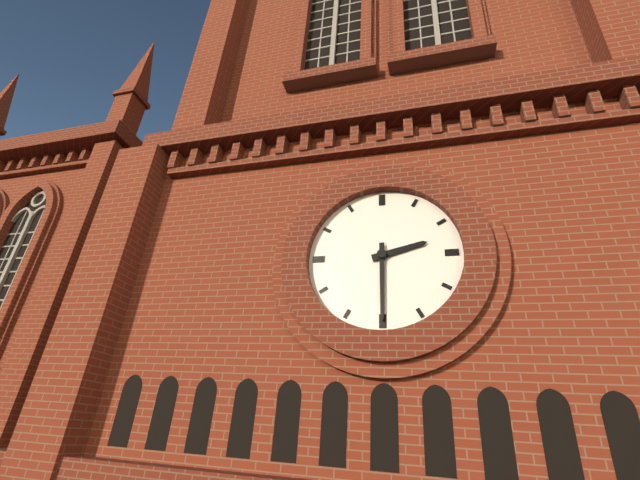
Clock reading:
**2:30**
